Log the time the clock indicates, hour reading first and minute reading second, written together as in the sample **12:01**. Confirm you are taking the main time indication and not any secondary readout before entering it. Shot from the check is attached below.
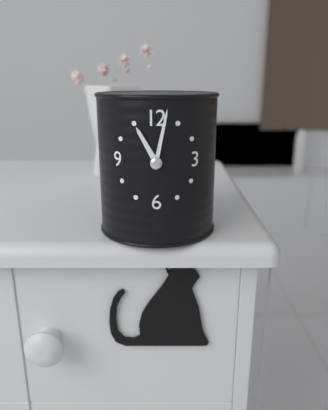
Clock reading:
**11:02**
